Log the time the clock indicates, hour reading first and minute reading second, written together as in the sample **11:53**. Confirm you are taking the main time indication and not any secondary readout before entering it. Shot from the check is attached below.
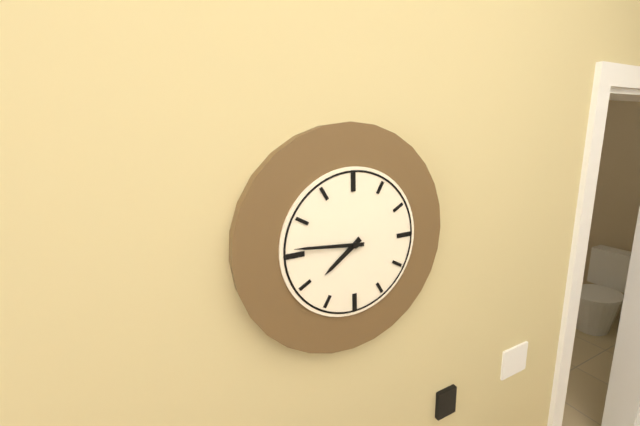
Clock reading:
**7:46**
